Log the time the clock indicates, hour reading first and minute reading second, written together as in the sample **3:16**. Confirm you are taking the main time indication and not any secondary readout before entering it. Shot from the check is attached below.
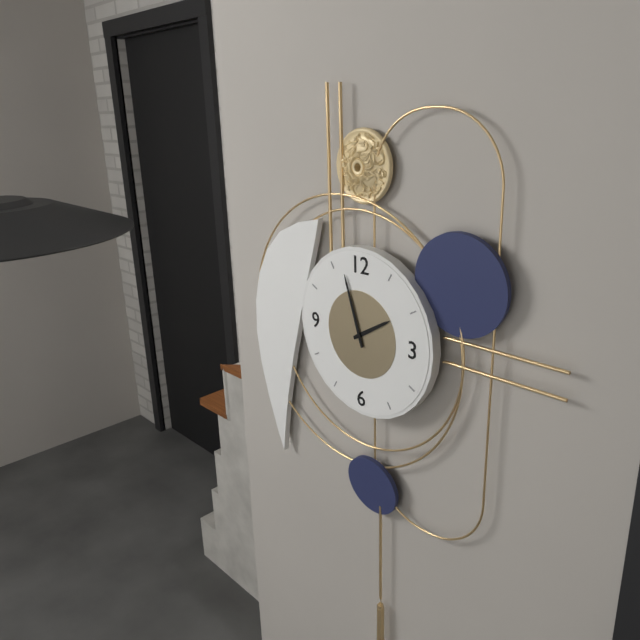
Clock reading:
**1:57**
